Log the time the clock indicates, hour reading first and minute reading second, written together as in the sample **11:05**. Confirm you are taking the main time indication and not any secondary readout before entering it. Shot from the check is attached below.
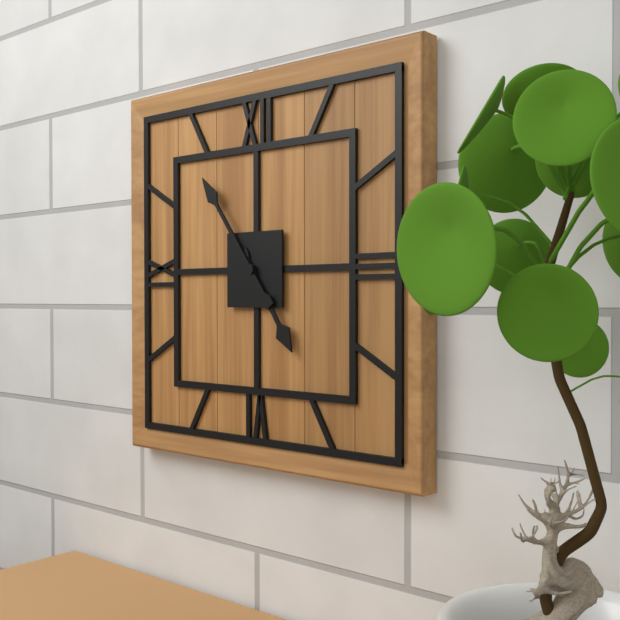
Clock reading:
**4:54**
